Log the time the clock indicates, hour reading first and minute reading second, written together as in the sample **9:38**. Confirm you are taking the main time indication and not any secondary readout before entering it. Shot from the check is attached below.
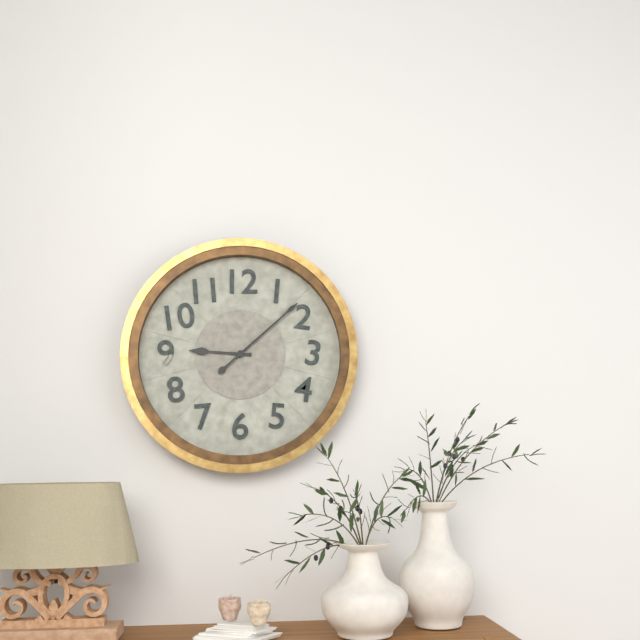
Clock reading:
**9:08**
